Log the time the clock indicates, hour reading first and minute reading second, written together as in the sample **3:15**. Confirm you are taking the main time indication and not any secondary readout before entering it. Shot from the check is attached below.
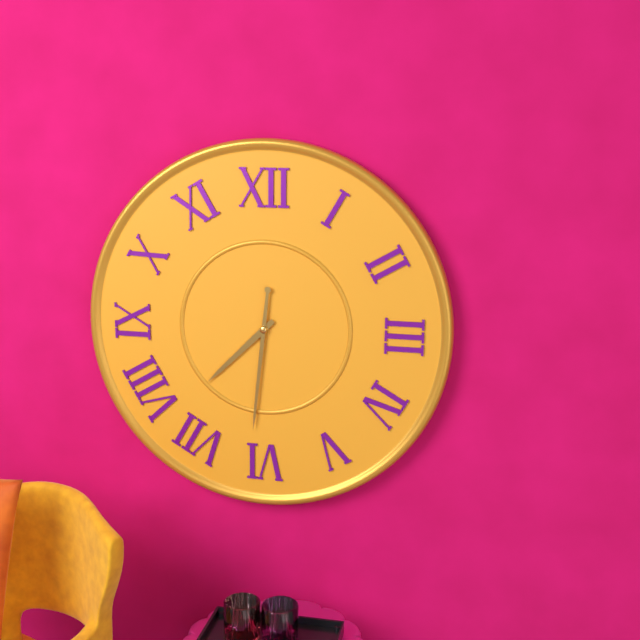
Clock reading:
**7:31**
